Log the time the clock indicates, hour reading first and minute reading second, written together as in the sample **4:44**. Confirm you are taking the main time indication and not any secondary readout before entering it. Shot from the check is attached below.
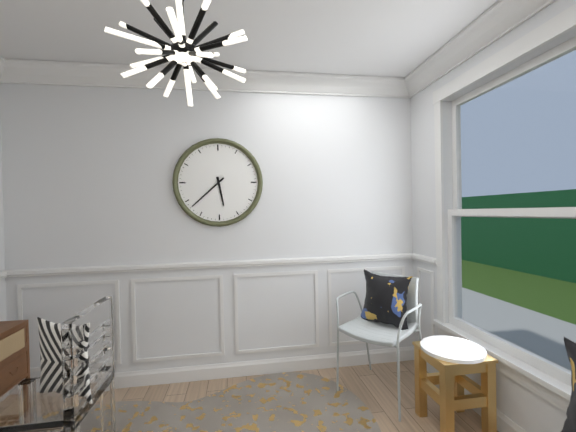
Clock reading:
**5:38**
